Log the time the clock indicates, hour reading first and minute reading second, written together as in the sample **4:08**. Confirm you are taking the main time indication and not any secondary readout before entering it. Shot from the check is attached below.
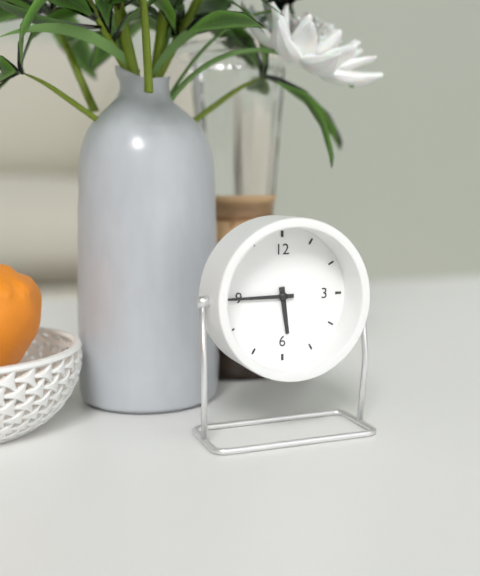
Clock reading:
**5:45**
